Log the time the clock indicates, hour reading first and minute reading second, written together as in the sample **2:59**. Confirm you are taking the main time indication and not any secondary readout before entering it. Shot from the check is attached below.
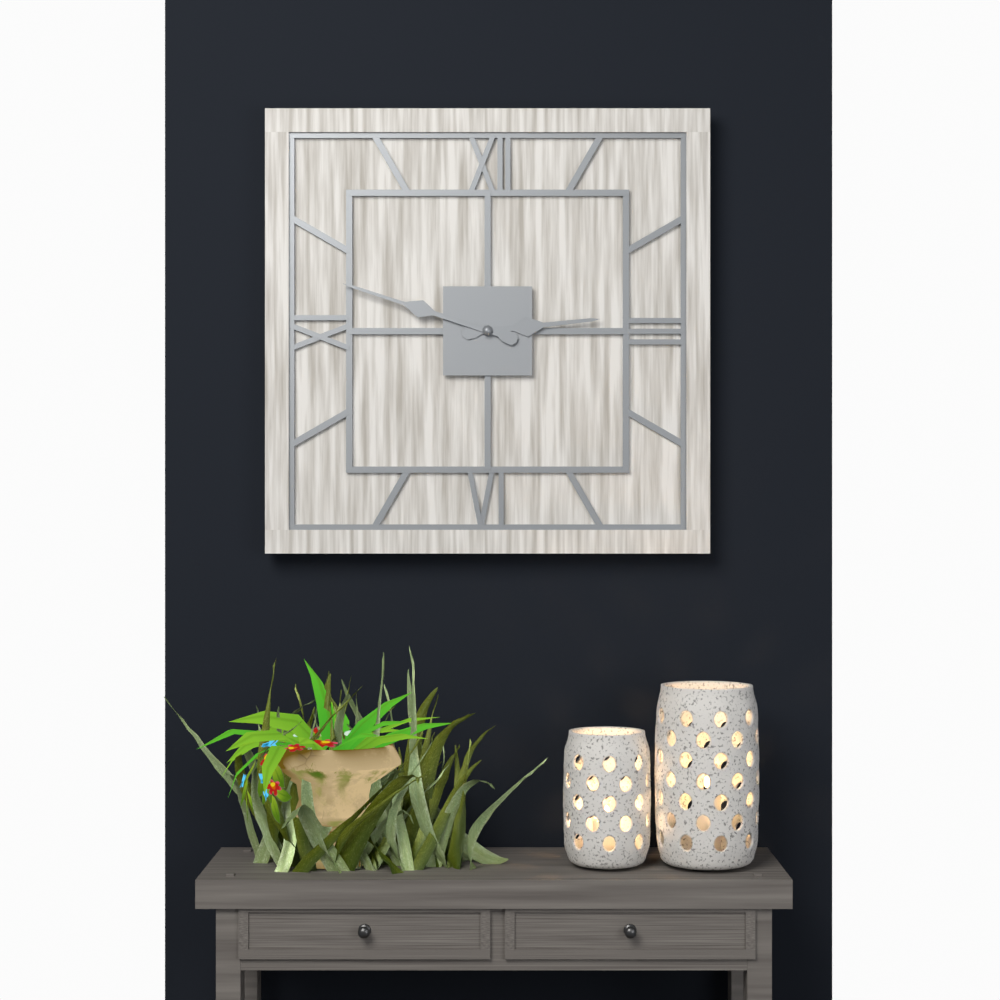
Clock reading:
**2:48**
